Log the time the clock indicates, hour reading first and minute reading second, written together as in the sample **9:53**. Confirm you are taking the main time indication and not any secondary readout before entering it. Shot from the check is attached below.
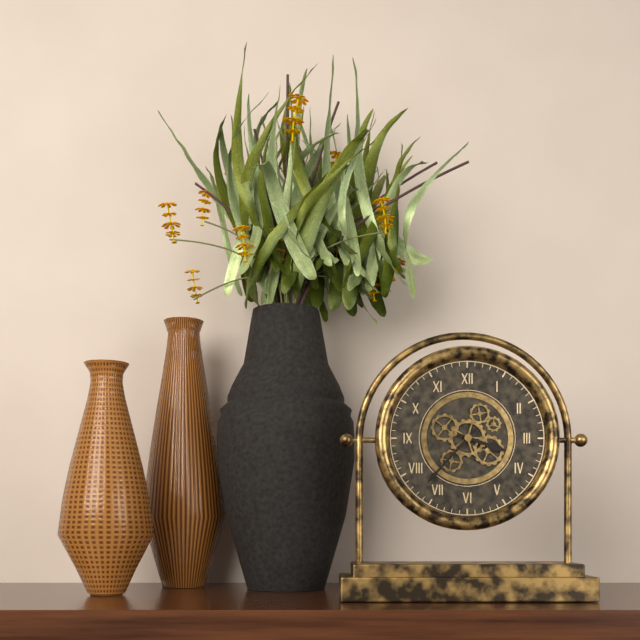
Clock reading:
**3:37**
